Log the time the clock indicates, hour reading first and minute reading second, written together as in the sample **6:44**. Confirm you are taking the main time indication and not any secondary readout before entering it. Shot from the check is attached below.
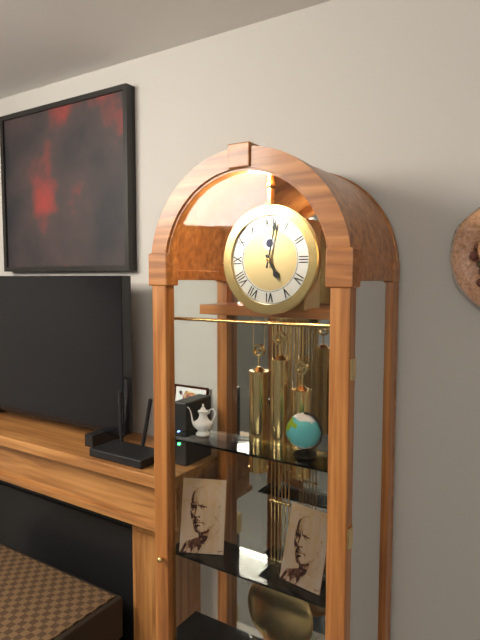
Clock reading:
**5:02**
